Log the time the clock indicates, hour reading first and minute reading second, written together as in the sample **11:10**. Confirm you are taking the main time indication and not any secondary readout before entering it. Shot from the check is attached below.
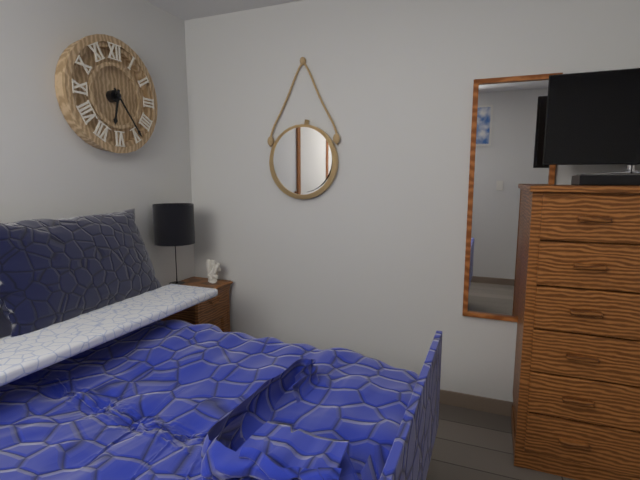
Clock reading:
**6:24**
